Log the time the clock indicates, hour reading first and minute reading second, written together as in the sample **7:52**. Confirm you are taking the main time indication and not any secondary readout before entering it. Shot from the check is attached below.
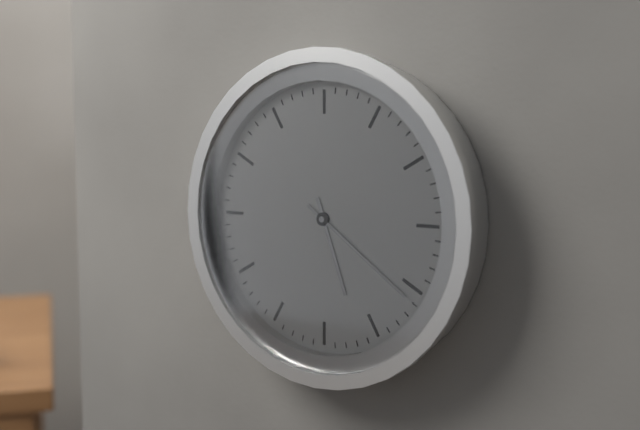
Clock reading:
**5:21**
